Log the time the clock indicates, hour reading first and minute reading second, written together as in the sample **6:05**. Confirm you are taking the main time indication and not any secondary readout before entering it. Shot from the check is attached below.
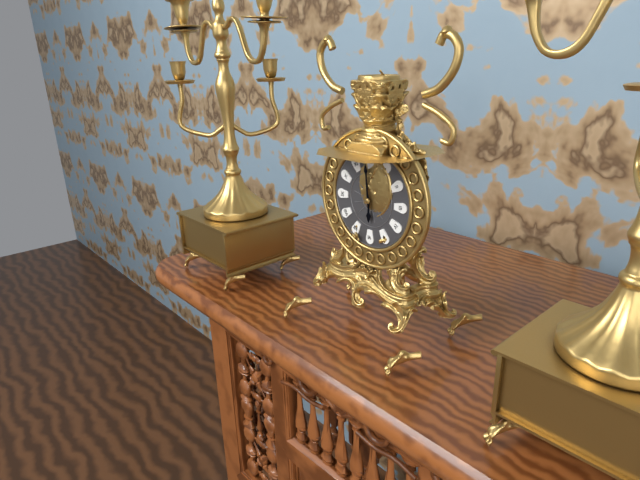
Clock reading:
**5:59**
